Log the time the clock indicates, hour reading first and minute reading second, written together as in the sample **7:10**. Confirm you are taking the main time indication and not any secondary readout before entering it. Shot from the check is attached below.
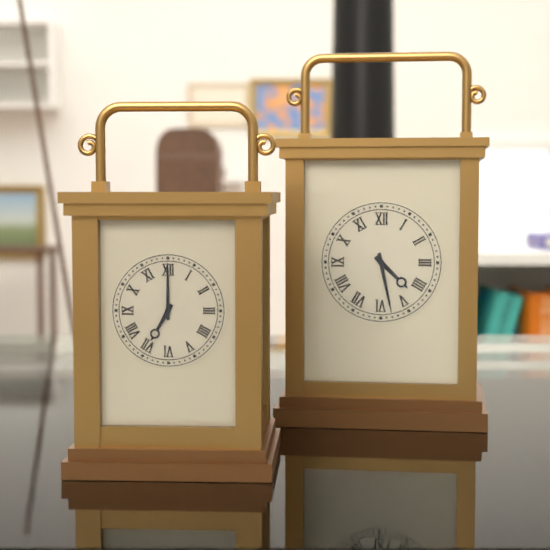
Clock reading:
**4:28**
